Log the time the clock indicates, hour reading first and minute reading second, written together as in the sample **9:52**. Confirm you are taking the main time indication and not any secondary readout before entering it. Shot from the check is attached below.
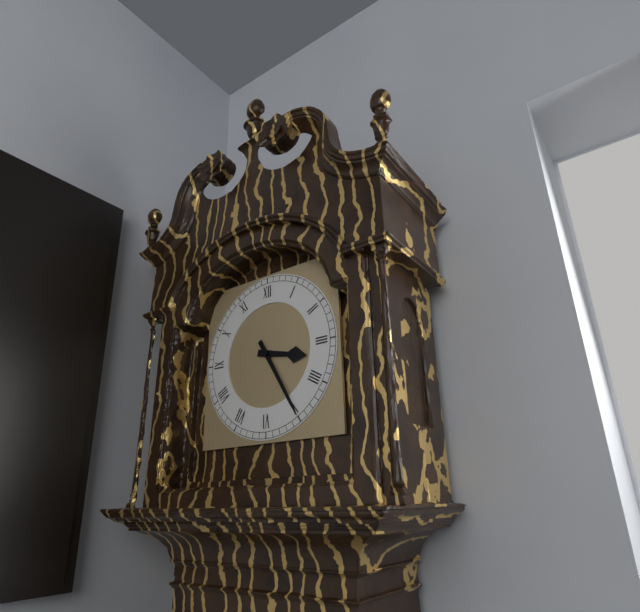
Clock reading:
**3:25**
